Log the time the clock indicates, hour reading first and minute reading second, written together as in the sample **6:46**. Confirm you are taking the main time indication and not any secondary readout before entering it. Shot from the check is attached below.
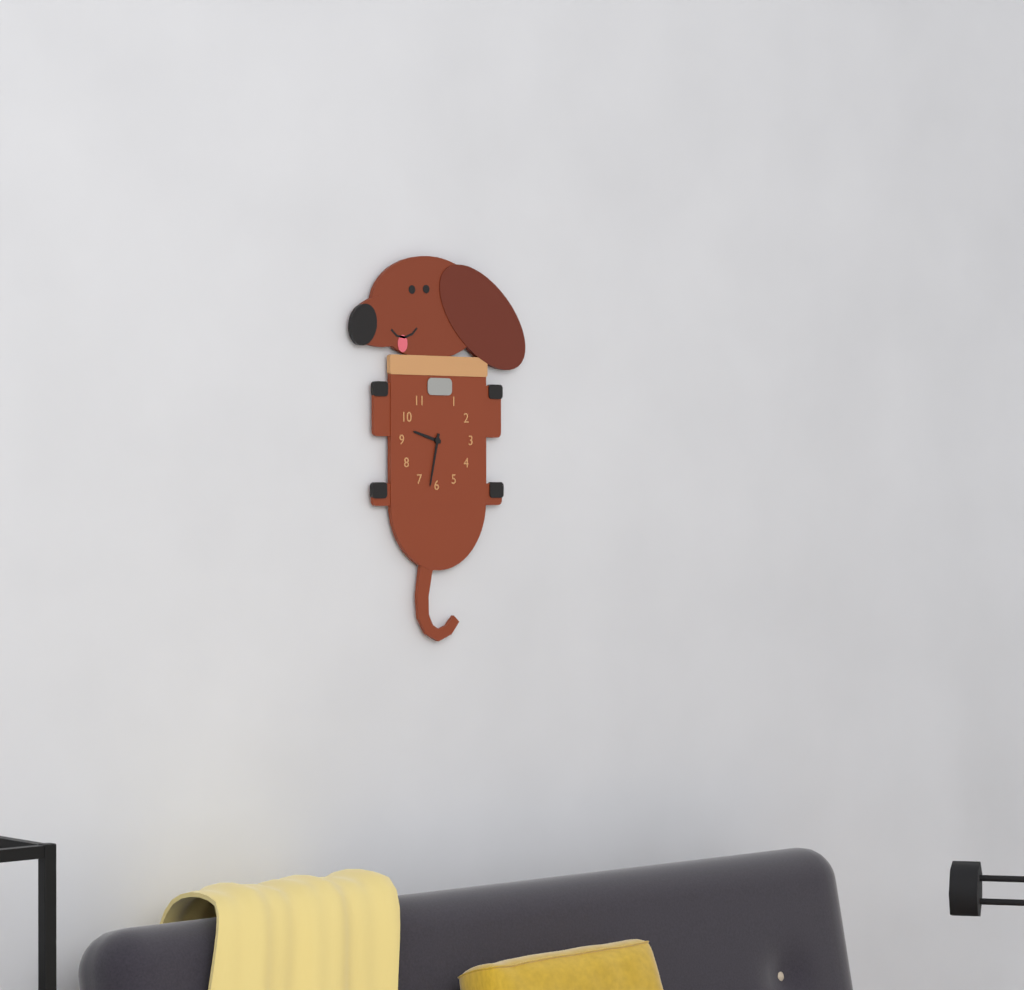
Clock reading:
**9:32**
